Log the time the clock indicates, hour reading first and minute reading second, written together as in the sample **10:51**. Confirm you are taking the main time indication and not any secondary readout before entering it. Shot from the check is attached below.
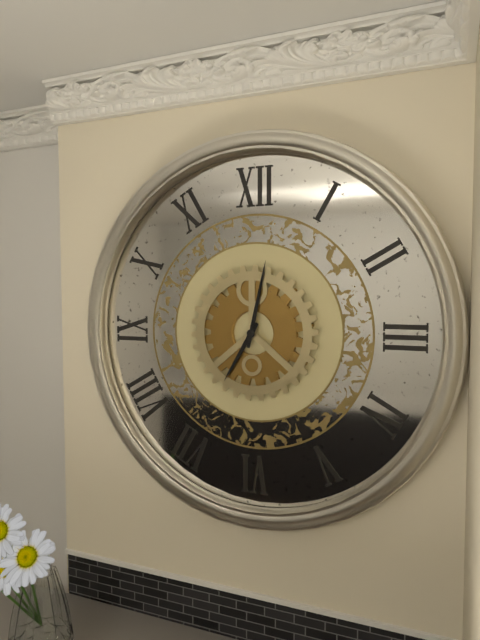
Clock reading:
**7:02**
